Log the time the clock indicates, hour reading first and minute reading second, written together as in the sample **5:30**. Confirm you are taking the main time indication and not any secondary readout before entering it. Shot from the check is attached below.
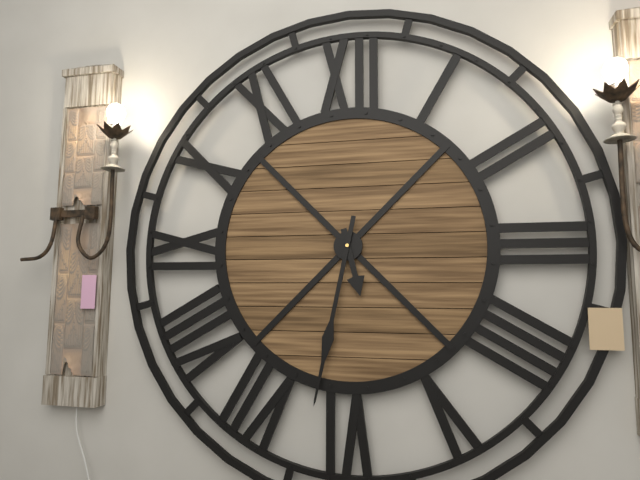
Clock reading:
**5:32**
